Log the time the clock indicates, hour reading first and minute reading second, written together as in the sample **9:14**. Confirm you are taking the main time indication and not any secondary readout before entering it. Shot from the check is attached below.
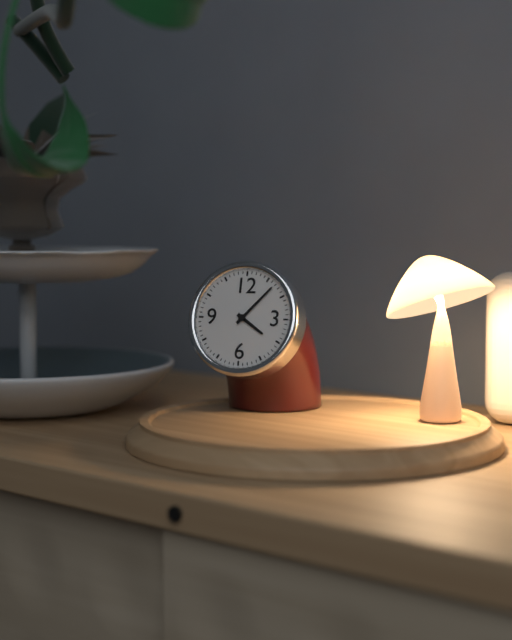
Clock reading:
**4:07**
